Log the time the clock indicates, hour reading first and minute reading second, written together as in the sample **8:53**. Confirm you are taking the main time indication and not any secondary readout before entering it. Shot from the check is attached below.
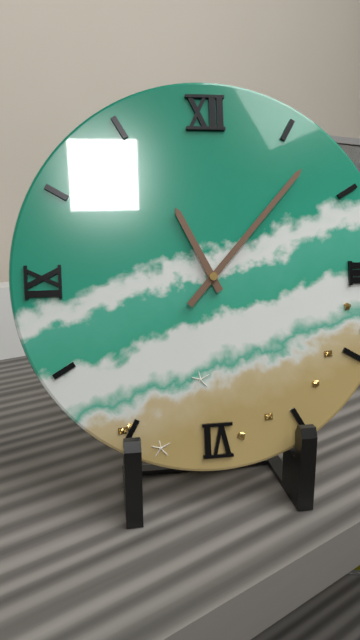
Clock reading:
**11:07**
